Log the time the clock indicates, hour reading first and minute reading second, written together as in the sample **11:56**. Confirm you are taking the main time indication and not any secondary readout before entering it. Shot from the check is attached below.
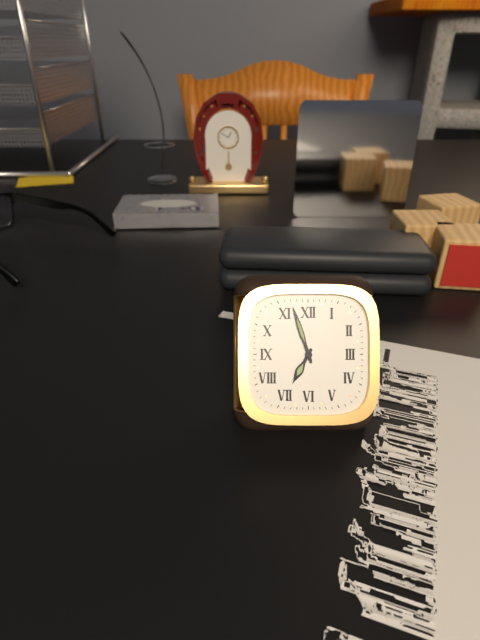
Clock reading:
**6:57**
